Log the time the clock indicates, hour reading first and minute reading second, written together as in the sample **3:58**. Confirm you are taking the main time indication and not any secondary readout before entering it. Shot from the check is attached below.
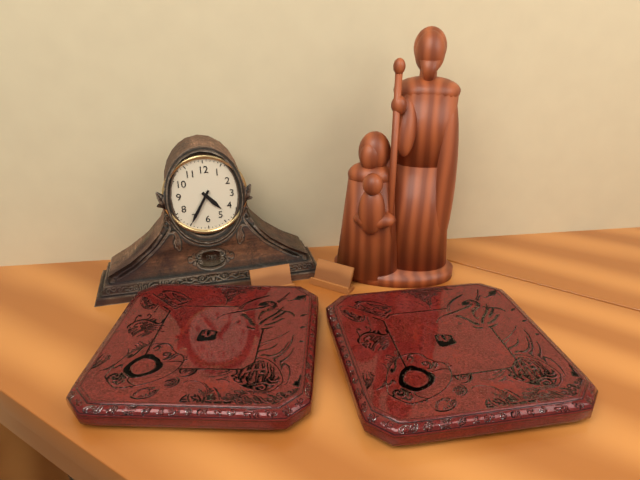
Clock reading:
**4:35**
